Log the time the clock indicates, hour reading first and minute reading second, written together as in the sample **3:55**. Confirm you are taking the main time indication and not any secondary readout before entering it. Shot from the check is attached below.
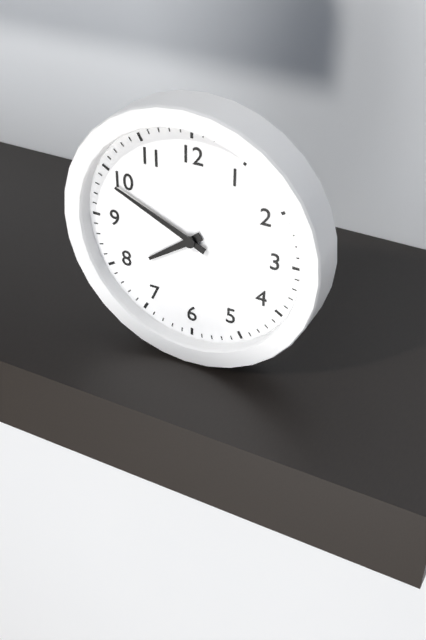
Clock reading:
**7:49**
